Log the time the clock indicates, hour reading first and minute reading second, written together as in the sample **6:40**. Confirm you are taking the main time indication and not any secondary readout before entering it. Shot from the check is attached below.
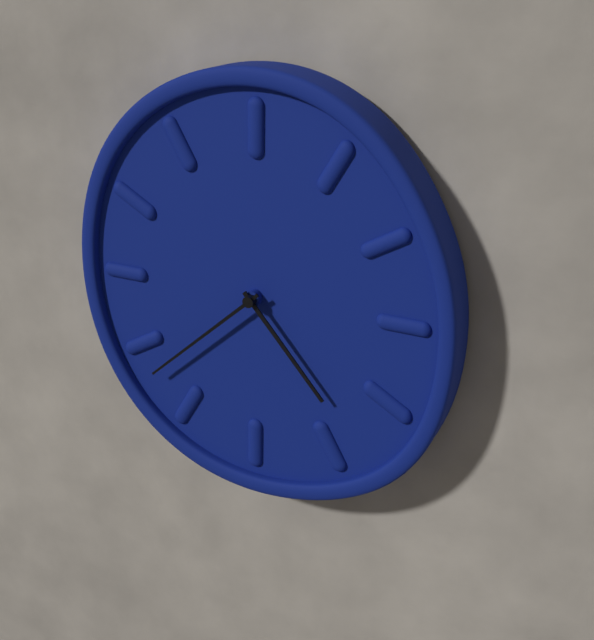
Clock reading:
**4:38**
